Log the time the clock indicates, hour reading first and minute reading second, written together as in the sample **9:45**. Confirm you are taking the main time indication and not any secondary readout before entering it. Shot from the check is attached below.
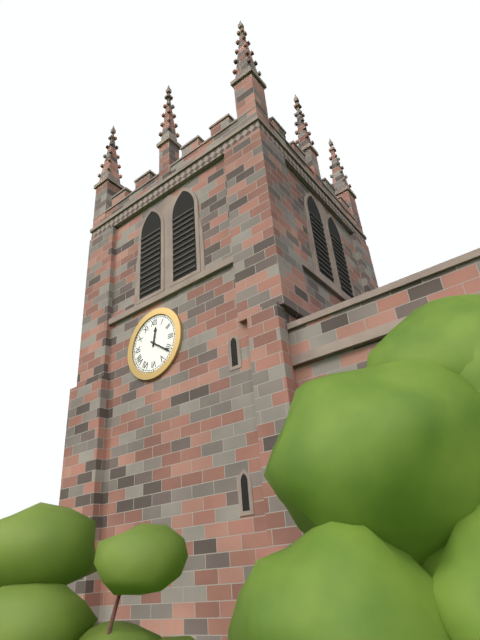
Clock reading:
**12:21**
